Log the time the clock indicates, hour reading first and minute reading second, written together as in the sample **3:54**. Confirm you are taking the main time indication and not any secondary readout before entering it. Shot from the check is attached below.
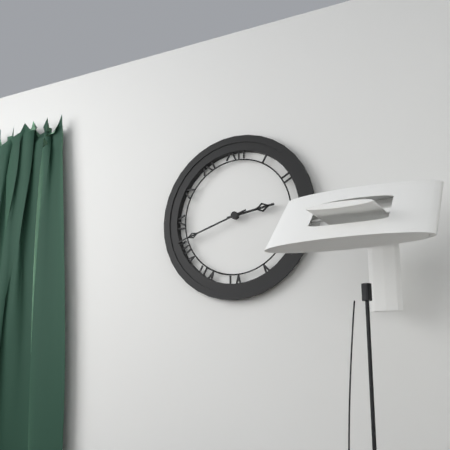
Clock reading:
**2:42**
